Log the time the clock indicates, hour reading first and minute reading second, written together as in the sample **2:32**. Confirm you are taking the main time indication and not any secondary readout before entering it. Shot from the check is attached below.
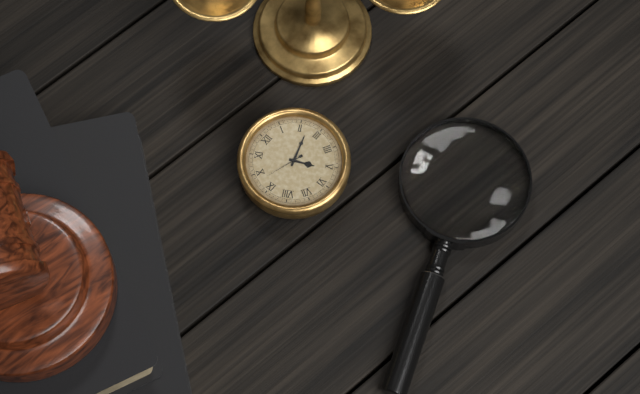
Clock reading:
**5:12**
